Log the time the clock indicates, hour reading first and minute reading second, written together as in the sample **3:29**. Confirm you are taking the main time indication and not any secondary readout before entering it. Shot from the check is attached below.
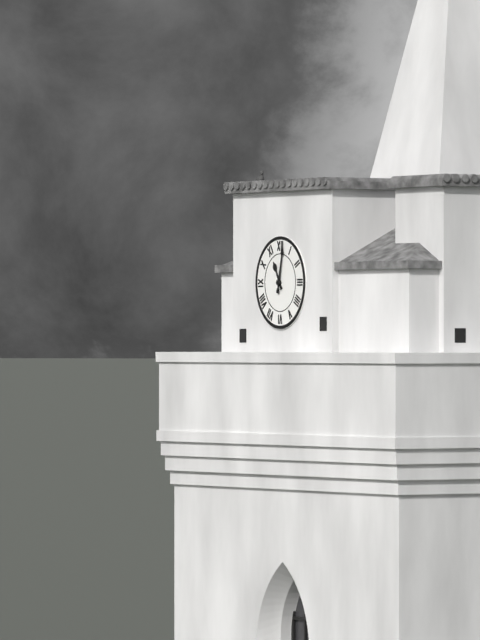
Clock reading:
**11:02**
